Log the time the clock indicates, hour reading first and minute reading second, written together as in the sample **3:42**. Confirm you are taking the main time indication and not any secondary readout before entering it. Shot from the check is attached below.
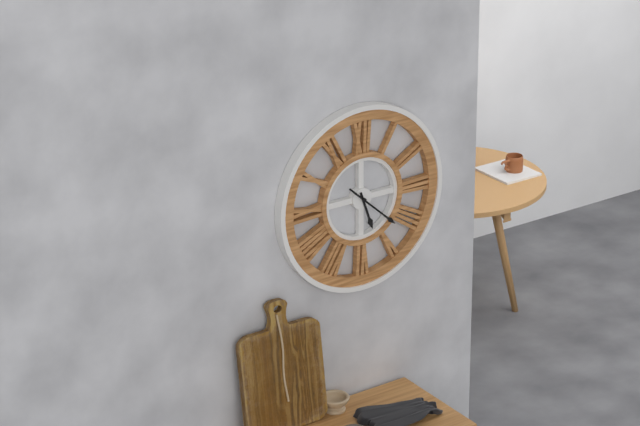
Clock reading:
**5:22**
